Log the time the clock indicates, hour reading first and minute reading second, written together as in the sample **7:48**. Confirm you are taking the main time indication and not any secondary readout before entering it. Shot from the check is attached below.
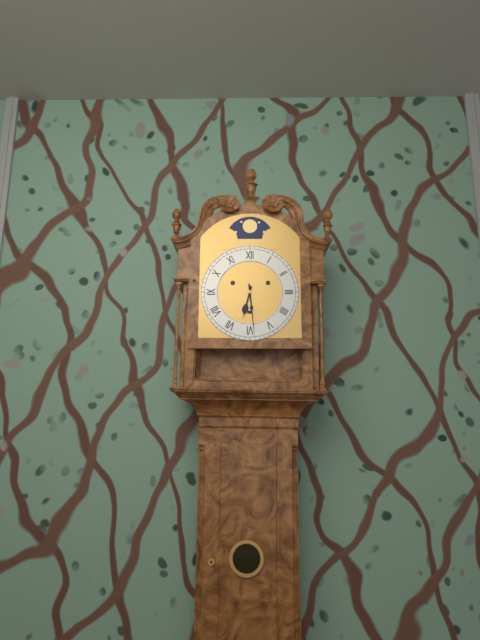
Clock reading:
**6:29**
